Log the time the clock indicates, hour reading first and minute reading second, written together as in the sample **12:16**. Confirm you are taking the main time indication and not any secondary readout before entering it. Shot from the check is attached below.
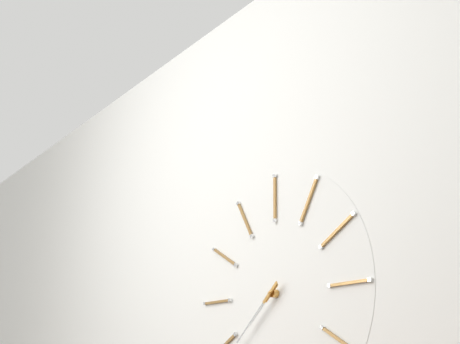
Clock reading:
**7:38**
